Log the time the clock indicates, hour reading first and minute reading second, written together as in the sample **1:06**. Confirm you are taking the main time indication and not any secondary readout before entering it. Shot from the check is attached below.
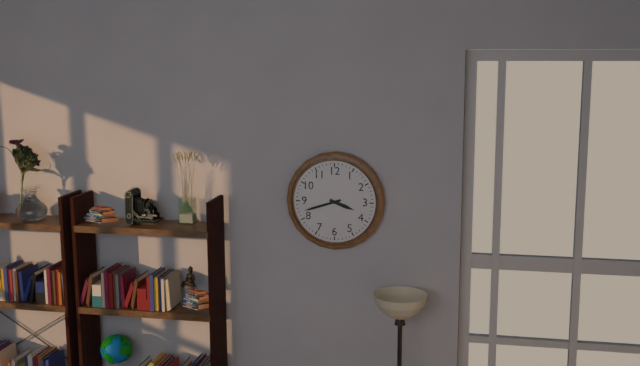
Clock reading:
**3:42**
